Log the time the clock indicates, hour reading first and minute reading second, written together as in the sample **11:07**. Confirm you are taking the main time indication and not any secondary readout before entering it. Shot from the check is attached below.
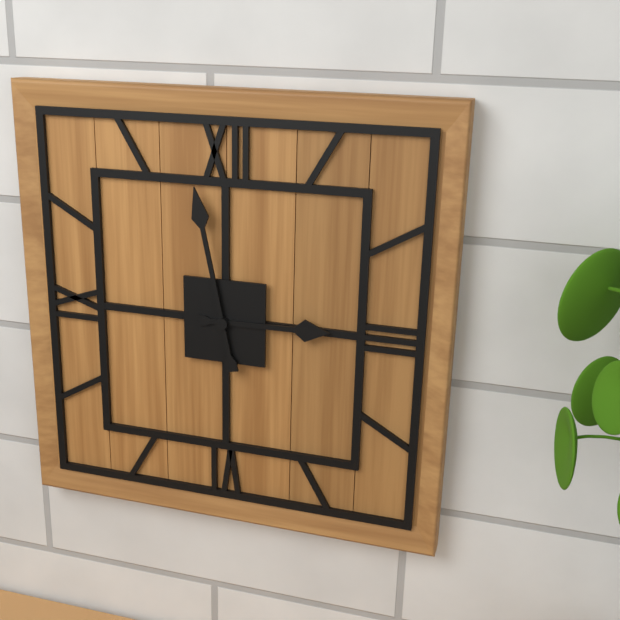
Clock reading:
**2:58**
